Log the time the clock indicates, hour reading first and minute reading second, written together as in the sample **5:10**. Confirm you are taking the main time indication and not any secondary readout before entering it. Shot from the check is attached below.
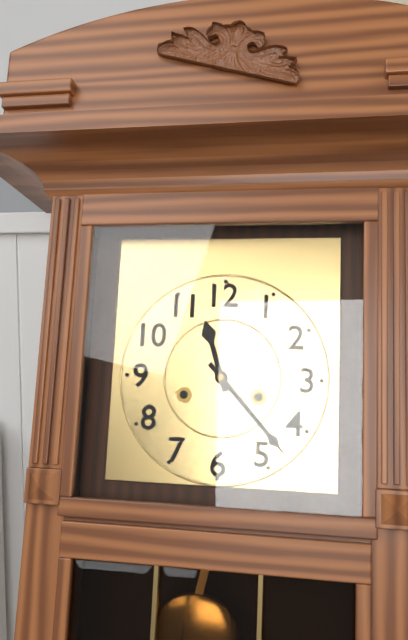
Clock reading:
**11:23**
